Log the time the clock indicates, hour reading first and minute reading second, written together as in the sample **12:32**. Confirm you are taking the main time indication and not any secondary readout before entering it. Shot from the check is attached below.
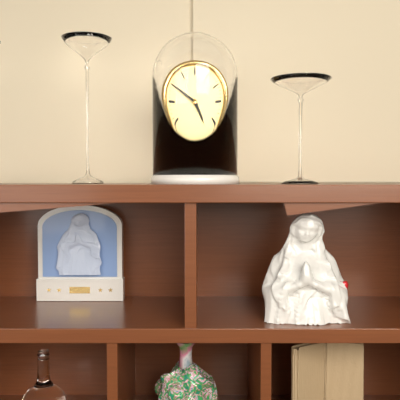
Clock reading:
**4:50**
